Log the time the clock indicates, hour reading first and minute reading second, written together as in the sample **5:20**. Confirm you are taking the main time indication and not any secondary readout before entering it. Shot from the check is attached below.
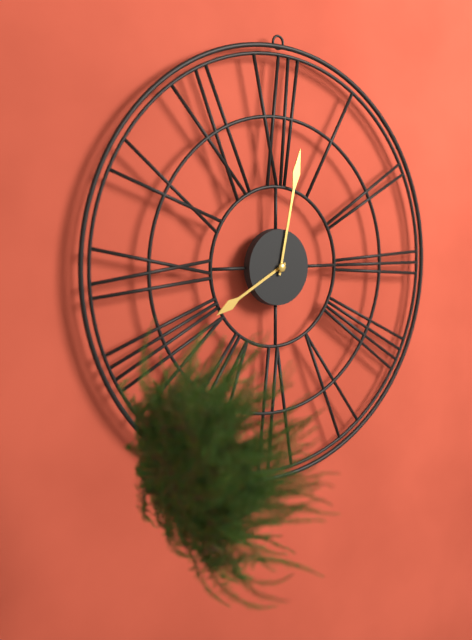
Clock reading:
**8:02**
